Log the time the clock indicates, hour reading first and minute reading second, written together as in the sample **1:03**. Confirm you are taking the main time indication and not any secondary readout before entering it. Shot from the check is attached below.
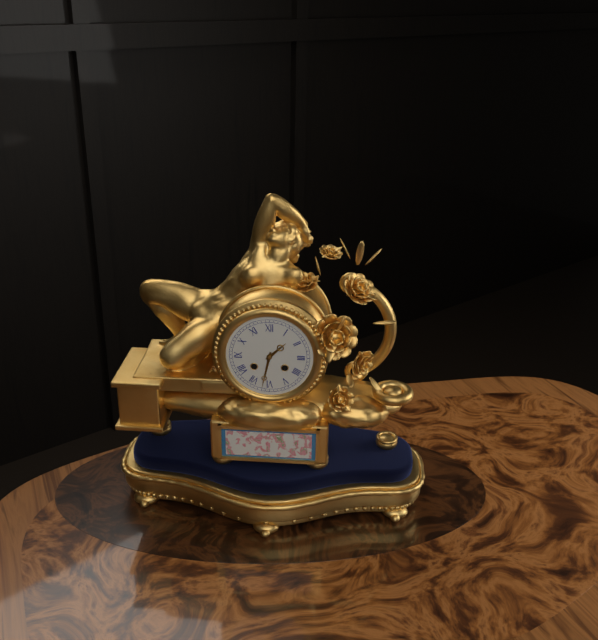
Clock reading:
**1:32**
